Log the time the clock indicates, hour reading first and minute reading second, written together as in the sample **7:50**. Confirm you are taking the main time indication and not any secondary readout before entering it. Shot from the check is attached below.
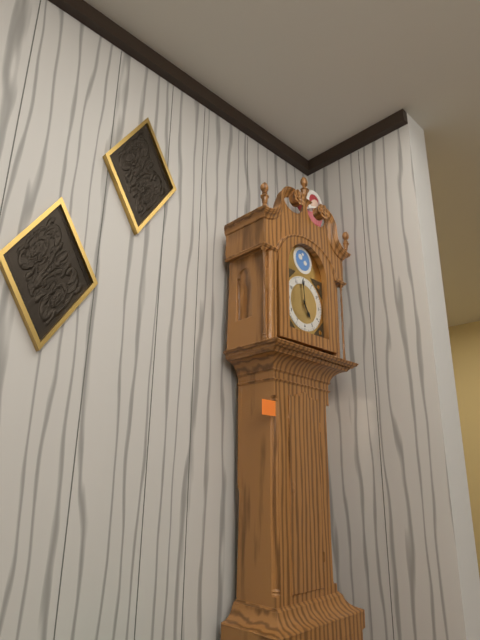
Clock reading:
**4:59**
